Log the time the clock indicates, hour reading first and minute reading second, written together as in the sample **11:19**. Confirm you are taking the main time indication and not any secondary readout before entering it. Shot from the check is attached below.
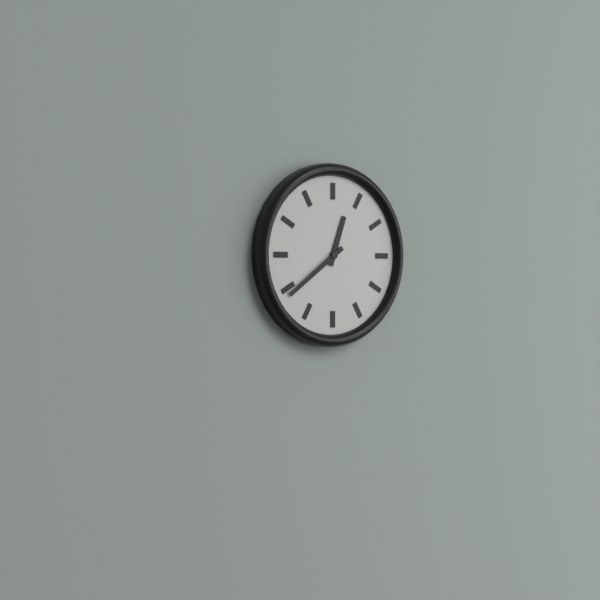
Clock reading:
**12:39**
